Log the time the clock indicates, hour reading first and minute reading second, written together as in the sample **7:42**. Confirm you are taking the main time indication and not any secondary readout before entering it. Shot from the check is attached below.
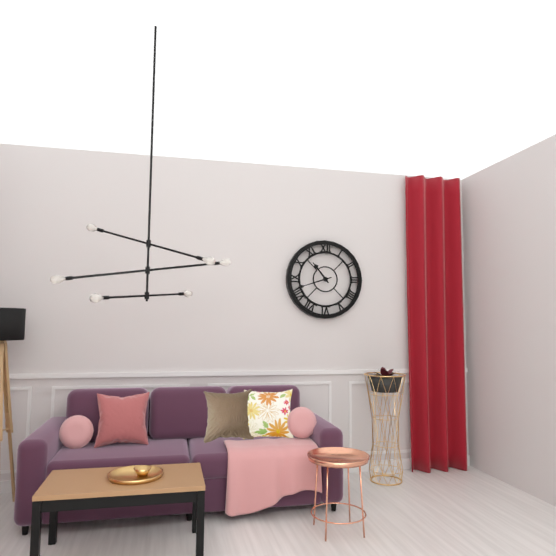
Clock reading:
**10:42**
